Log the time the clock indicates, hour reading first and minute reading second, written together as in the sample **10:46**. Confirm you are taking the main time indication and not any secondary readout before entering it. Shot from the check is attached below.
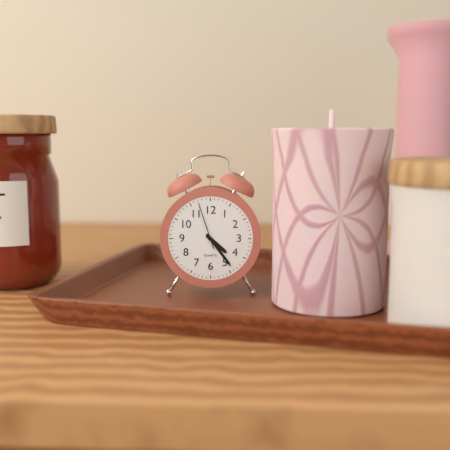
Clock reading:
**4:24**
